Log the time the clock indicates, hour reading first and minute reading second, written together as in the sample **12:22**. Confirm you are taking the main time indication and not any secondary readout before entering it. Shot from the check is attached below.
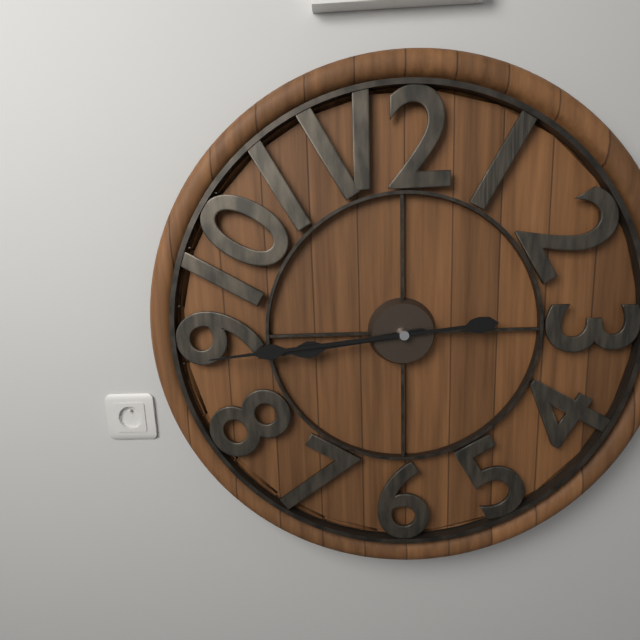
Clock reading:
**8:44**
